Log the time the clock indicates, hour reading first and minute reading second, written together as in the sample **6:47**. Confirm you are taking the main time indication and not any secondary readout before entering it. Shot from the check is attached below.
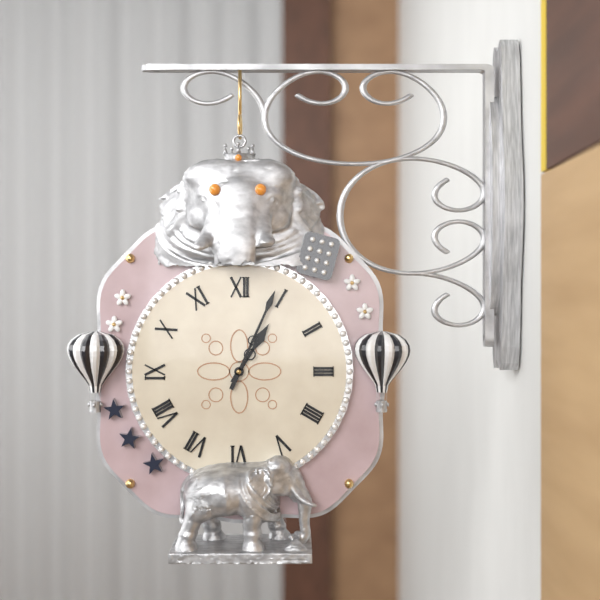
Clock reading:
**1:04**
